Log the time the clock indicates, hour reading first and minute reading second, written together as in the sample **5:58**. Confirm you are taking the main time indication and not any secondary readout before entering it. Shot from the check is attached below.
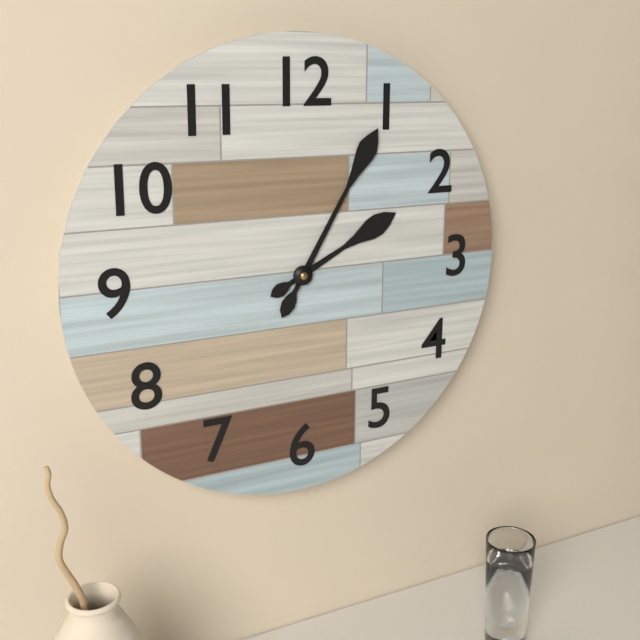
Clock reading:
**2:05**
